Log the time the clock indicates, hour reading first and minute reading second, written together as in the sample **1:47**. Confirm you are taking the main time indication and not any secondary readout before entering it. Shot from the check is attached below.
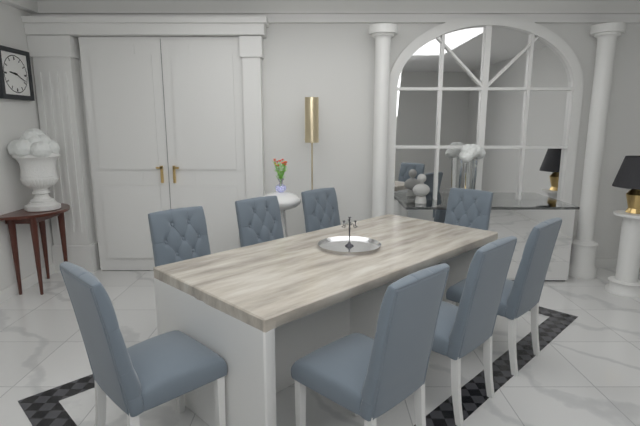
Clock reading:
**9:19**
